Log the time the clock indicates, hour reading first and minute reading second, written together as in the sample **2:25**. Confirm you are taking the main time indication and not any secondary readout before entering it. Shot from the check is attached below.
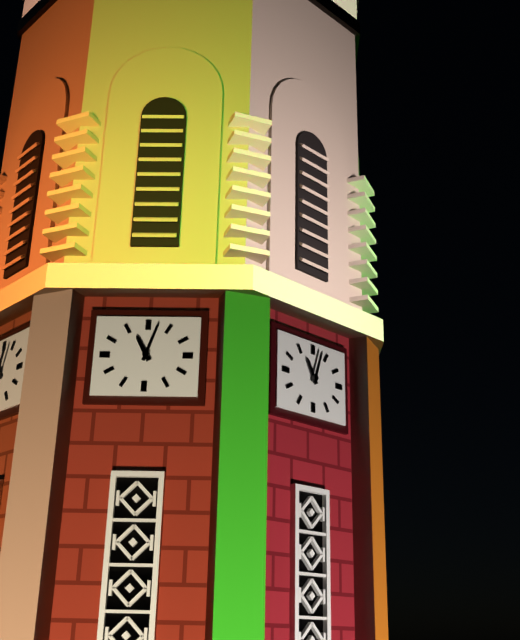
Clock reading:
**11:03**
